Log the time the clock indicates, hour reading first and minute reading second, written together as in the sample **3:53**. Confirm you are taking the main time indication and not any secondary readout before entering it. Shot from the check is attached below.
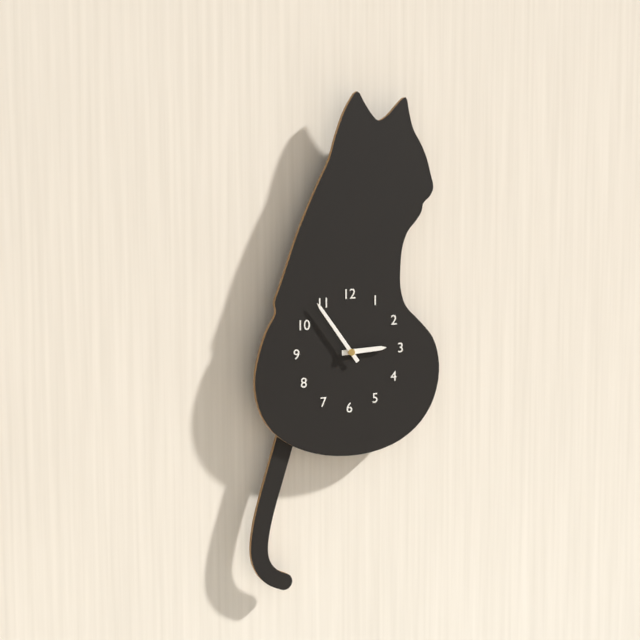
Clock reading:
**2:54**
